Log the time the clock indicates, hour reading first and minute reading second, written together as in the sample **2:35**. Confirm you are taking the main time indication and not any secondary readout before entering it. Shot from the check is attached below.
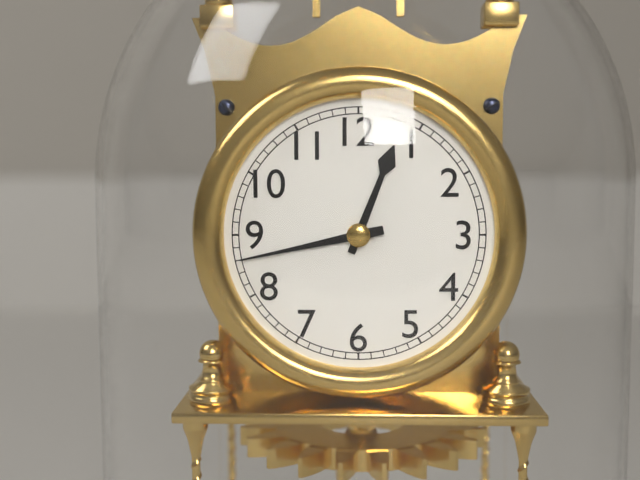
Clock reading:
**12:43**
